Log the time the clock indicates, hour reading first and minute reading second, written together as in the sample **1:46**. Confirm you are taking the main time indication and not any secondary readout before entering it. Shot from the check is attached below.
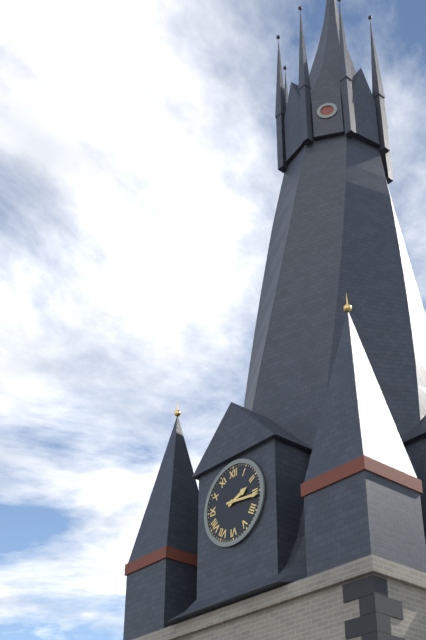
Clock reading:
**2:16**
